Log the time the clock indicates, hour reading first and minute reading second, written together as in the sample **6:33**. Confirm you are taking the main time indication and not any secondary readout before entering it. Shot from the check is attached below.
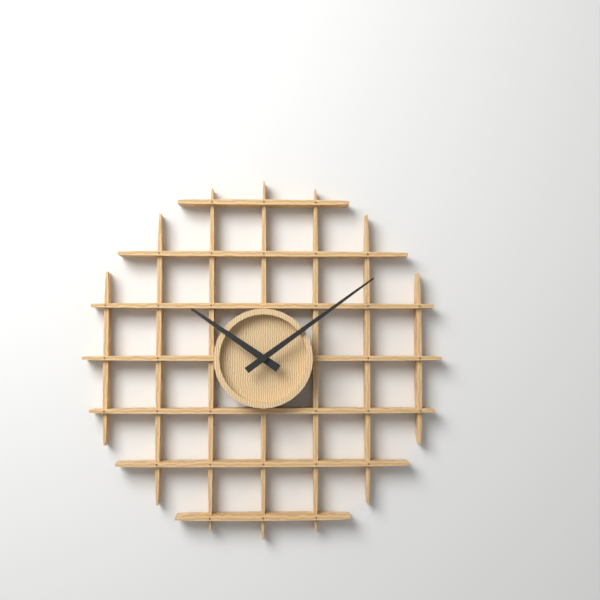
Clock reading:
**10:09**
